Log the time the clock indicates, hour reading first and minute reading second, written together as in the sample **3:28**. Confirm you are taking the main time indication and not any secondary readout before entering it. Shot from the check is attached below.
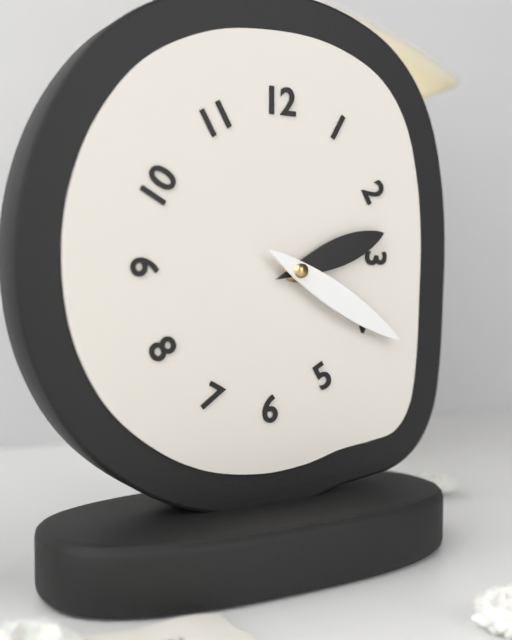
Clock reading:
**2:20**
